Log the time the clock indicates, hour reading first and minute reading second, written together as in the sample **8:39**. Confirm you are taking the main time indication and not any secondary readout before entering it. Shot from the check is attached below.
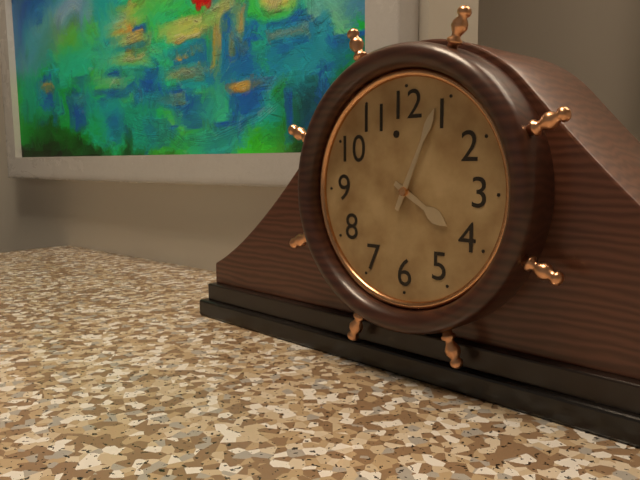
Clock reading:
**4:04**
